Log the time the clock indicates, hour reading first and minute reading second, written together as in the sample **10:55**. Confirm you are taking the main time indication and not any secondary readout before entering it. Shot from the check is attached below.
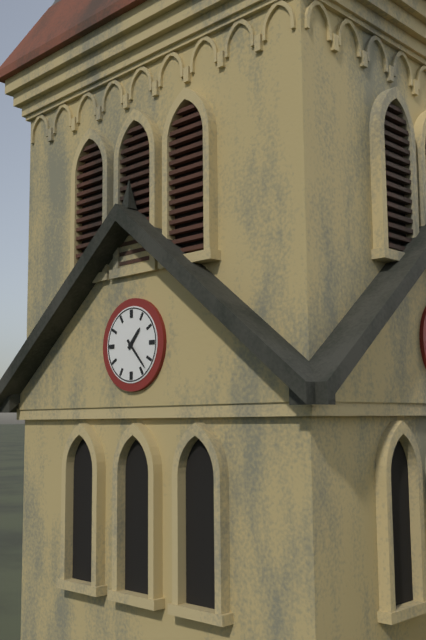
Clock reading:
**1:23**
